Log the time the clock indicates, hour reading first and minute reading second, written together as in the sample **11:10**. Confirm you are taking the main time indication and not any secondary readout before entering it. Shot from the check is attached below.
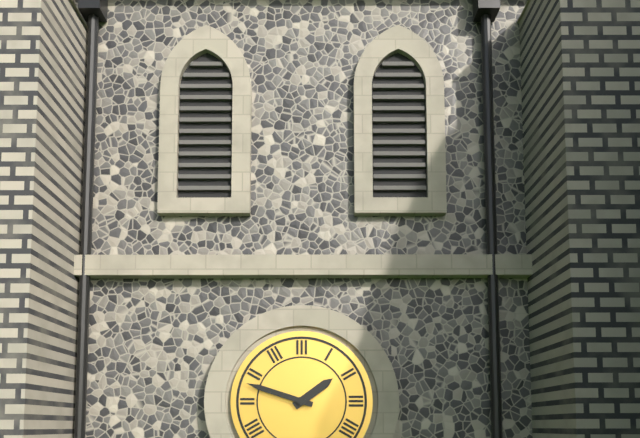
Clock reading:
**1:48**
